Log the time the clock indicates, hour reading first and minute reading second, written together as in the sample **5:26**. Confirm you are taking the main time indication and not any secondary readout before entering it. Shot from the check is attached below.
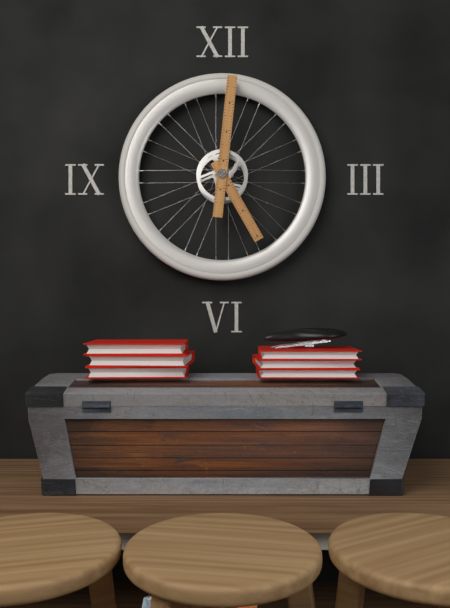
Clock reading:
**5:01**
